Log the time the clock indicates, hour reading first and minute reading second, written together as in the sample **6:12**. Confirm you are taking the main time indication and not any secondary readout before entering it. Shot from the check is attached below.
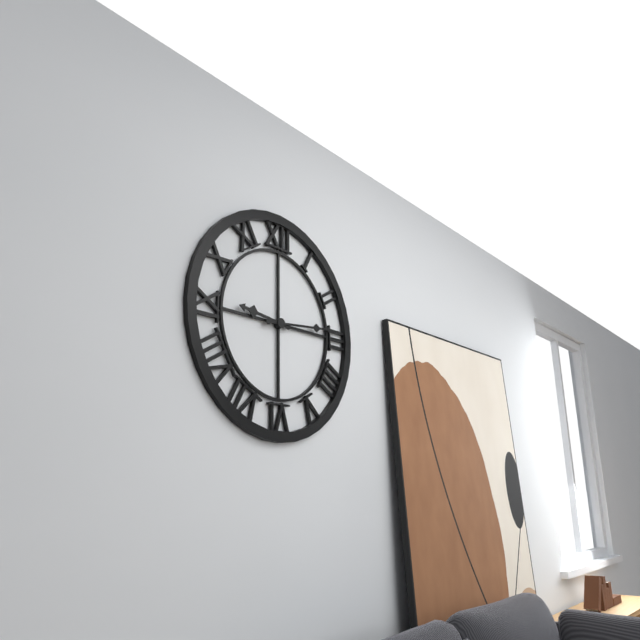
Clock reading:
**9:14**
